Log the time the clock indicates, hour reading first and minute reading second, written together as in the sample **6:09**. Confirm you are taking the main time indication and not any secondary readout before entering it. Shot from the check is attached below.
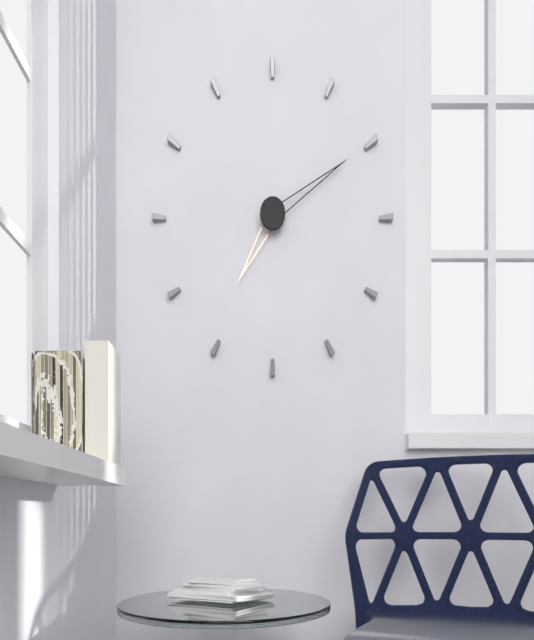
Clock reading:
**7:10**
